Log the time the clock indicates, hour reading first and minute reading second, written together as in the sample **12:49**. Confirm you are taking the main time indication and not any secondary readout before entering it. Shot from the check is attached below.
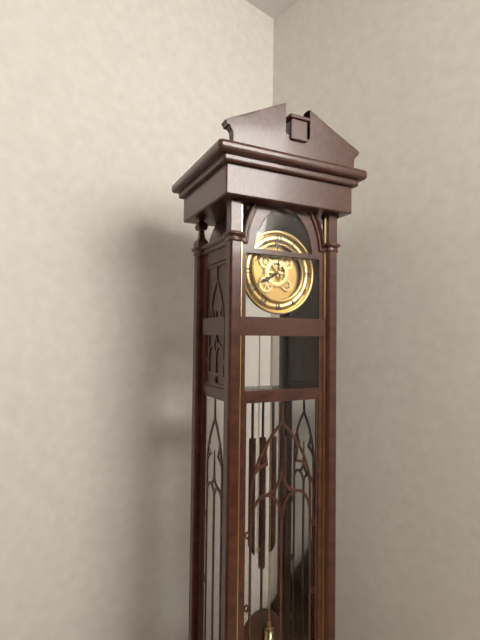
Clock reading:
**7:59**
